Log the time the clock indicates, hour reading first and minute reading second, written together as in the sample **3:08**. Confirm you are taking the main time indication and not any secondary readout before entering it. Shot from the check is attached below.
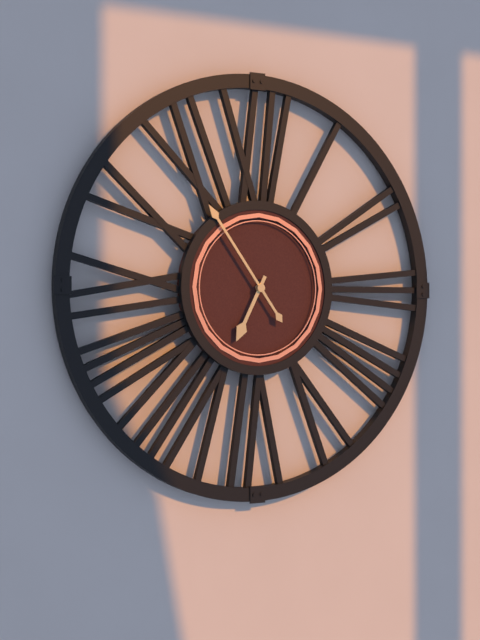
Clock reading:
**6:54**
